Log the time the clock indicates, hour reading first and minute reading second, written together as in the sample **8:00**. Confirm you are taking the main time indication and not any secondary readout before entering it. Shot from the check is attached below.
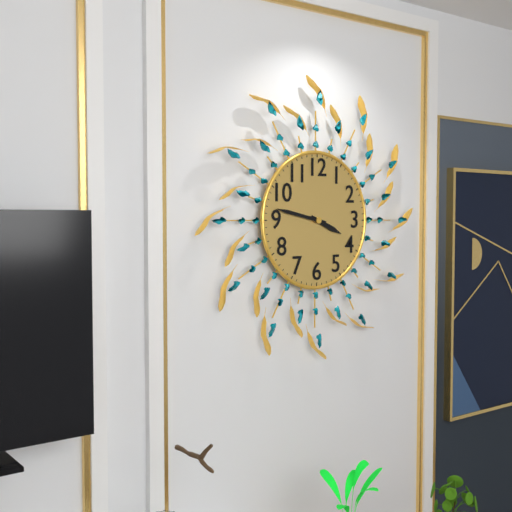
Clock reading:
**3:47**
